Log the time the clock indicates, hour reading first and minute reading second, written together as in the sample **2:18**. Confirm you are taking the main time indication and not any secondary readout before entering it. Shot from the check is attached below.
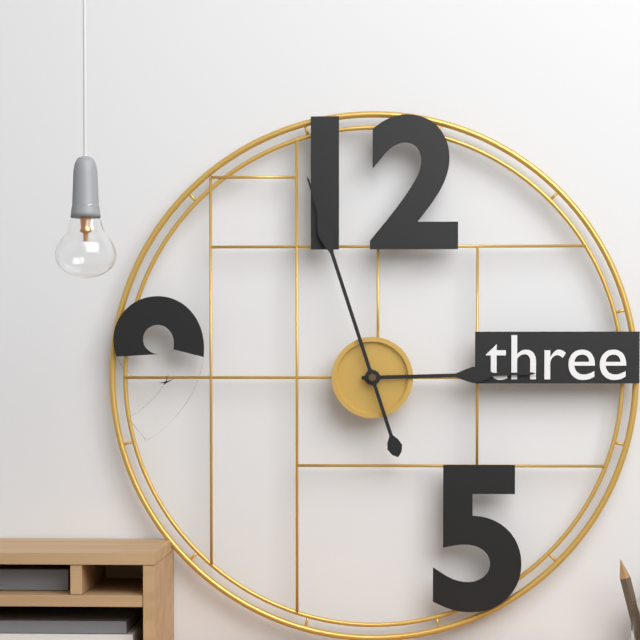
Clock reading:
**2:57**
